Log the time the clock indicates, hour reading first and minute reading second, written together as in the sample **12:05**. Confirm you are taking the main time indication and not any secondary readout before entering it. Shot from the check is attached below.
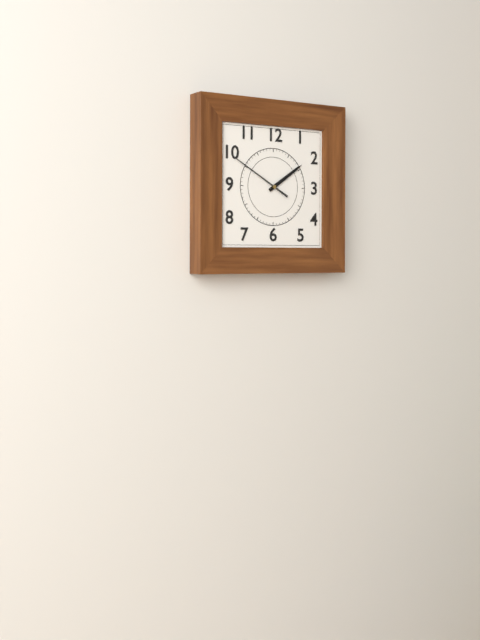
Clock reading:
**1:50**
